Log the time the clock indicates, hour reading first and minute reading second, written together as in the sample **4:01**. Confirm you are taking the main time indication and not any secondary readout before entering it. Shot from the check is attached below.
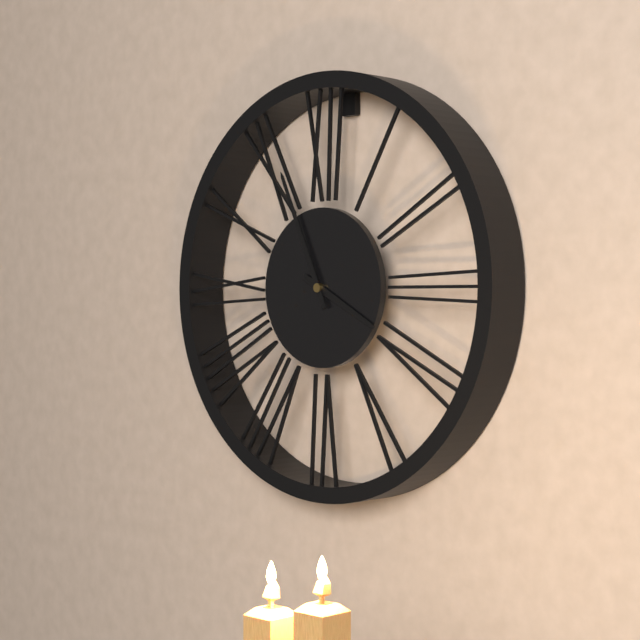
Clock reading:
**3:56**
